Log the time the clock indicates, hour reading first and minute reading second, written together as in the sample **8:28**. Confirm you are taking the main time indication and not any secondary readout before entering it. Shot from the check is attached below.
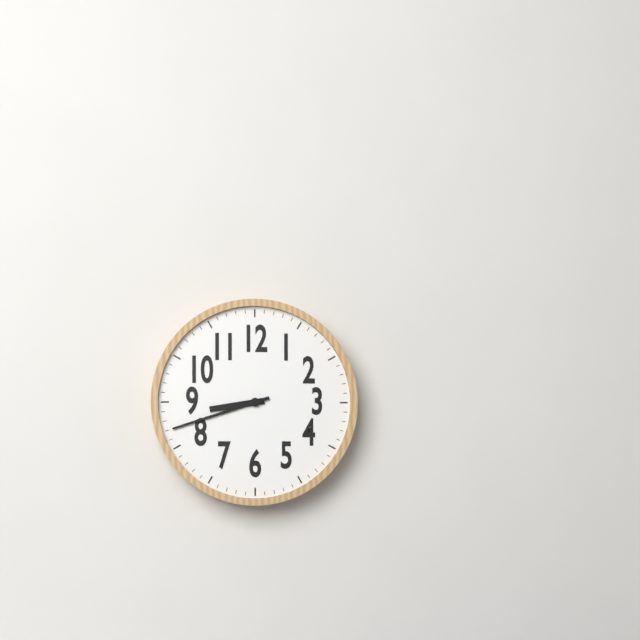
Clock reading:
**8:42**
